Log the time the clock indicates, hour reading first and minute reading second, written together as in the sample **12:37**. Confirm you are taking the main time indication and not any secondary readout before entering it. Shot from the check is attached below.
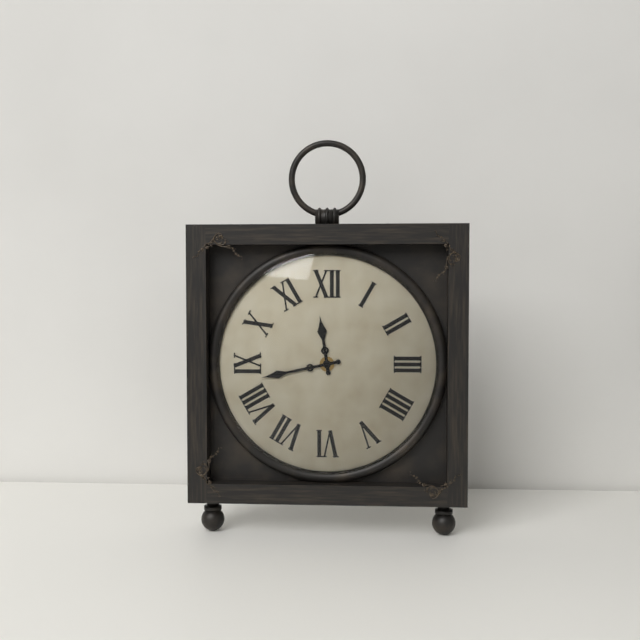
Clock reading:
**11:43**
